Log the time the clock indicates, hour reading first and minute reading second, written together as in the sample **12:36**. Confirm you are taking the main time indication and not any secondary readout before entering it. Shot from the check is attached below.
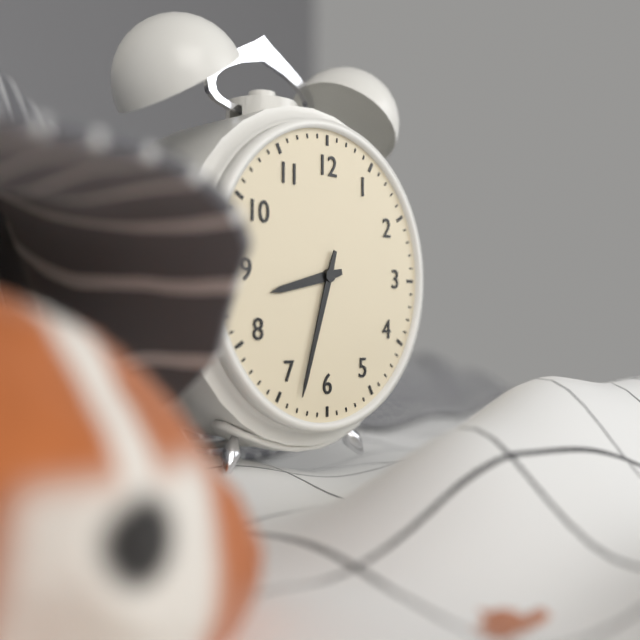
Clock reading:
**8:33**
